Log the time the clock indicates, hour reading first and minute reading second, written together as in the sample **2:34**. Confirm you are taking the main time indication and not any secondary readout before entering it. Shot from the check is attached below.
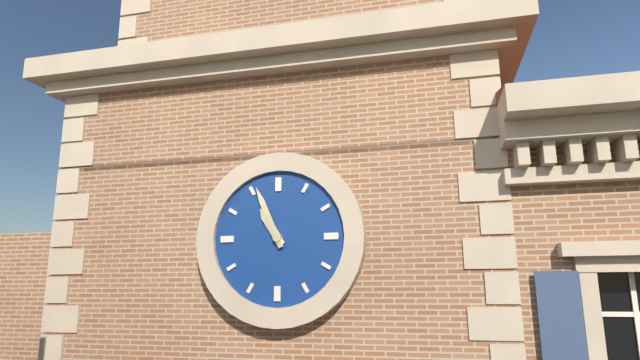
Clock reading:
**10:56**
